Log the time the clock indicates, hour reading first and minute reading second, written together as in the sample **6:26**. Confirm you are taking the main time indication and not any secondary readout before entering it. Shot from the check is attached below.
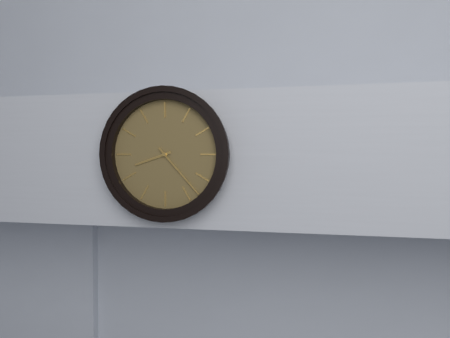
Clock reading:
**8:23**
